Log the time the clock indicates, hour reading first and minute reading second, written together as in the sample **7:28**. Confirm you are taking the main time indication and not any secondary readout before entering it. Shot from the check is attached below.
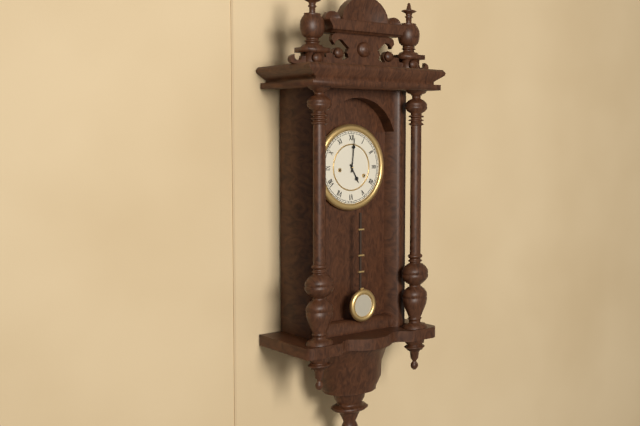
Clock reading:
**5:01**
